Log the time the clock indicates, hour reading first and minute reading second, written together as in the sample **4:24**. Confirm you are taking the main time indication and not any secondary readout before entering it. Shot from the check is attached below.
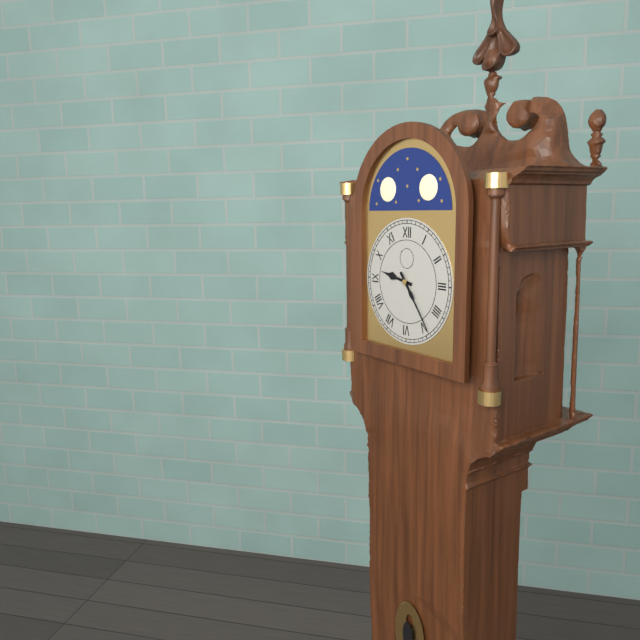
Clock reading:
**9:24**
